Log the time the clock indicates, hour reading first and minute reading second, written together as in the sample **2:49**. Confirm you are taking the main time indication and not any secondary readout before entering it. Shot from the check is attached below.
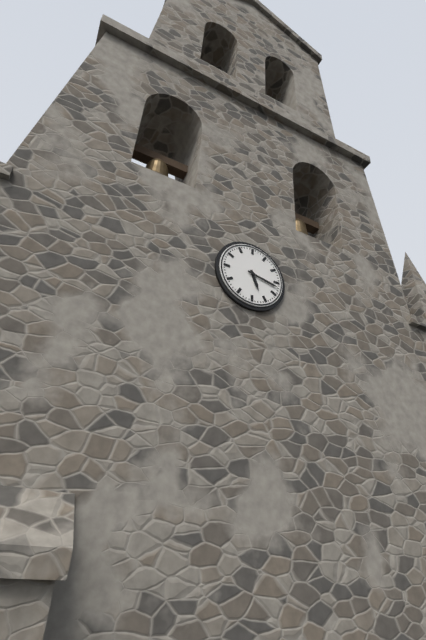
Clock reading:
**5:17**
